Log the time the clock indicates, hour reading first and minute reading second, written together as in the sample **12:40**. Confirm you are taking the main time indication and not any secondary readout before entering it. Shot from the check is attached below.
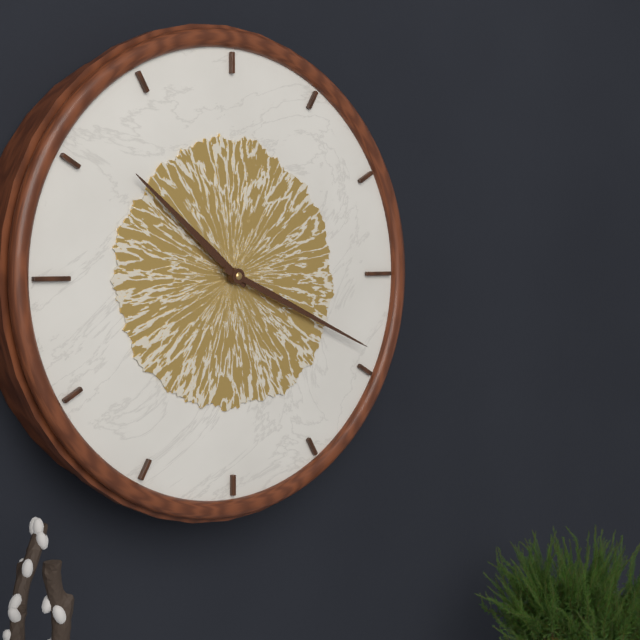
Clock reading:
**10:19**
